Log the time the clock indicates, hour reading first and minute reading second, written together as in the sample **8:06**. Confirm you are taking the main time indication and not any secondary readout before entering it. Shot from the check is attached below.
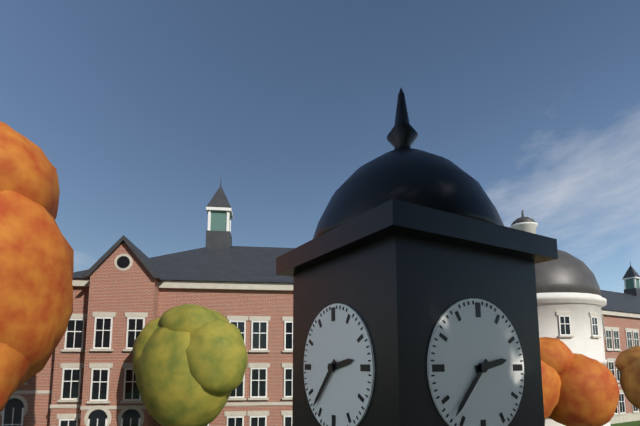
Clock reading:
**2:37**
